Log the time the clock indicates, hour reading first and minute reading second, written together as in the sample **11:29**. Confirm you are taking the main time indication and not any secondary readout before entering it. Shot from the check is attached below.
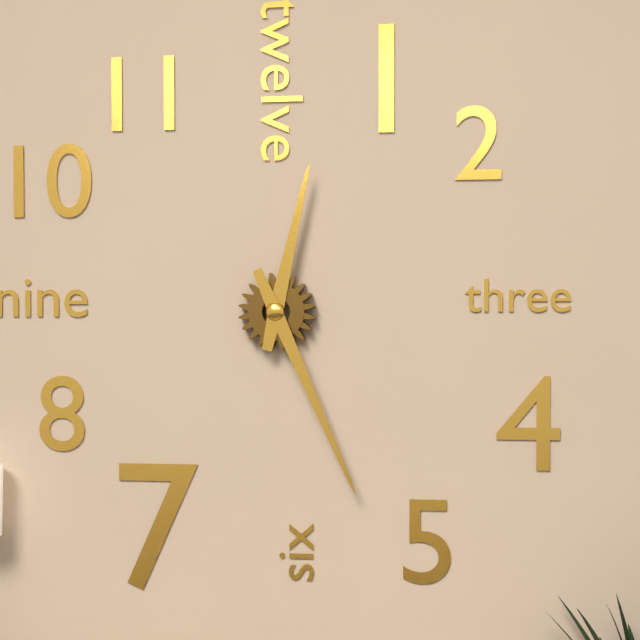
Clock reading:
**12:26**
